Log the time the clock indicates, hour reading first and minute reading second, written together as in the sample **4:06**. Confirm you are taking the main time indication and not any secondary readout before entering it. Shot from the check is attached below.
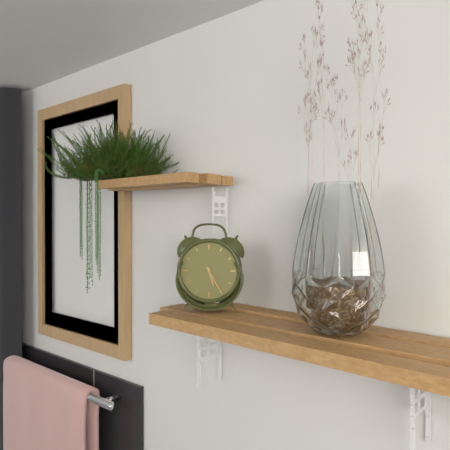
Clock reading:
**5:25**
